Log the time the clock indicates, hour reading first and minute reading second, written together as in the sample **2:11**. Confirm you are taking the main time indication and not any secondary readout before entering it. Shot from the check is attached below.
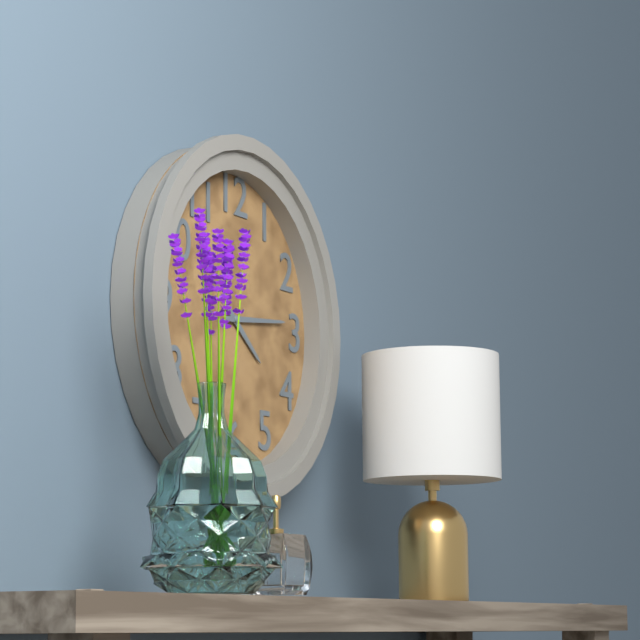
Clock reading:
**4:14**
